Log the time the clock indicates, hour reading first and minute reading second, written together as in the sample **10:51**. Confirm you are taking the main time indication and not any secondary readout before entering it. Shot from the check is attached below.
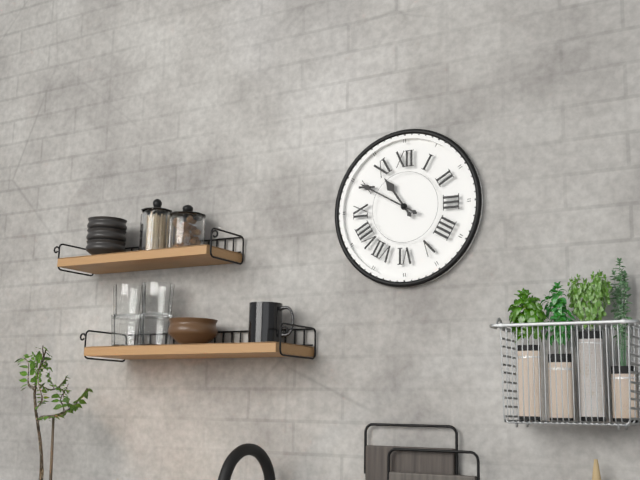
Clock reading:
**10:50**
